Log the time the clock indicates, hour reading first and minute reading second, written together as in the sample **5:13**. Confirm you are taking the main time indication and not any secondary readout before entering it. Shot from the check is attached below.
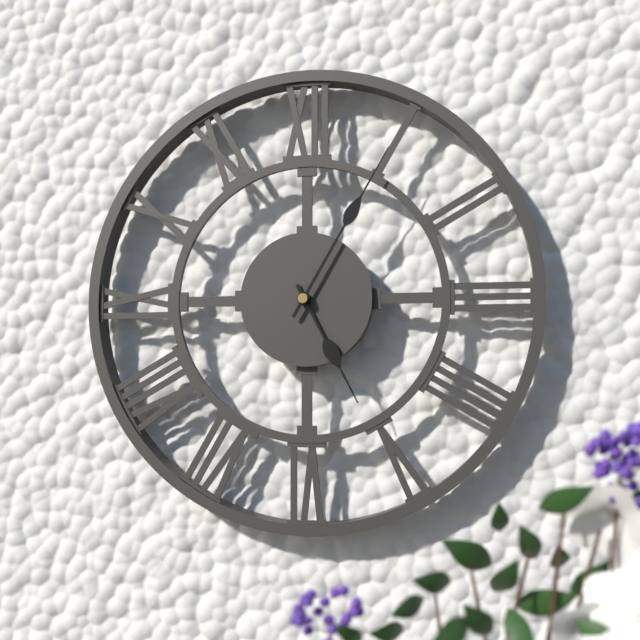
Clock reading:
**5:05**
